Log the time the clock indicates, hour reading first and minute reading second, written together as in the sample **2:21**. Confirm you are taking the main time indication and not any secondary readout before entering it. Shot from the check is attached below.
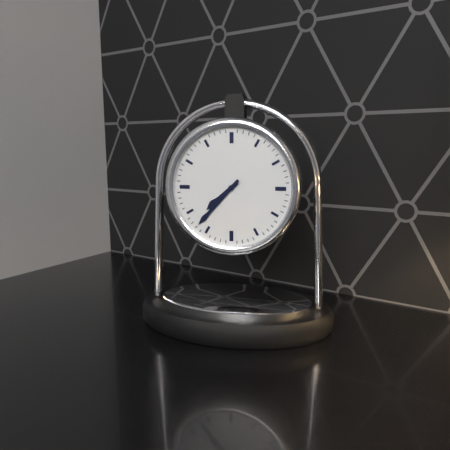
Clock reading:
**7:37**
